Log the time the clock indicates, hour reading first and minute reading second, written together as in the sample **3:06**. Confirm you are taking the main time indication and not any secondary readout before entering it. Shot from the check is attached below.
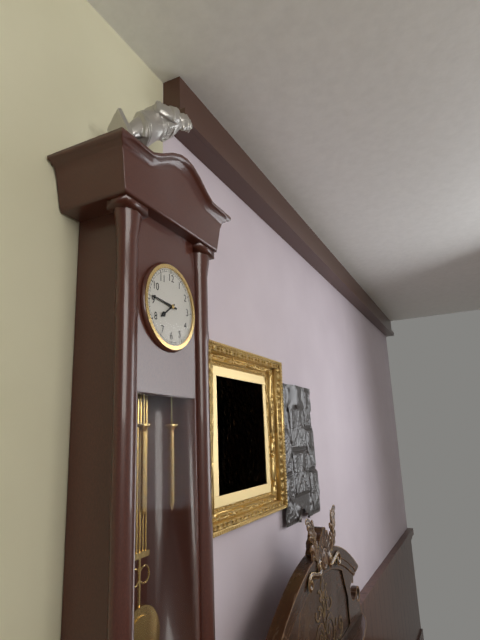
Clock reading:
**7:46**
